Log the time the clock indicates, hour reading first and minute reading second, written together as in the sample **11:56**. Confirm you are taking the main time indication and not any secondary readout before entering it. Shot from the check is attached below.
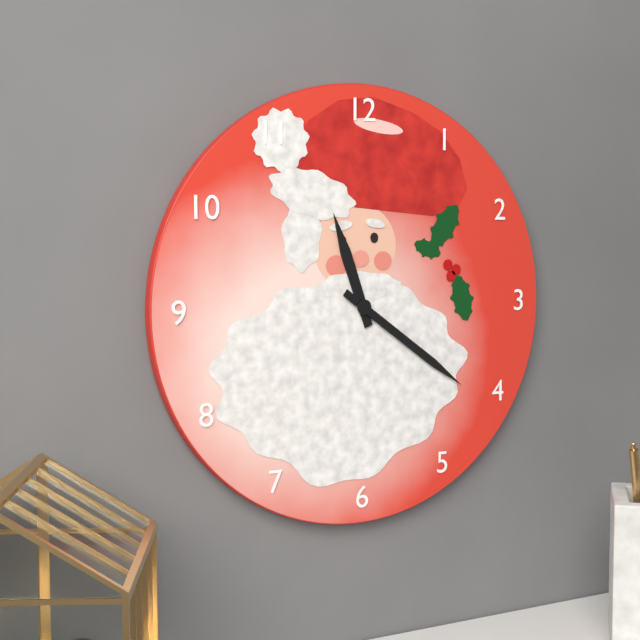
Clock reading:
**11:21**
